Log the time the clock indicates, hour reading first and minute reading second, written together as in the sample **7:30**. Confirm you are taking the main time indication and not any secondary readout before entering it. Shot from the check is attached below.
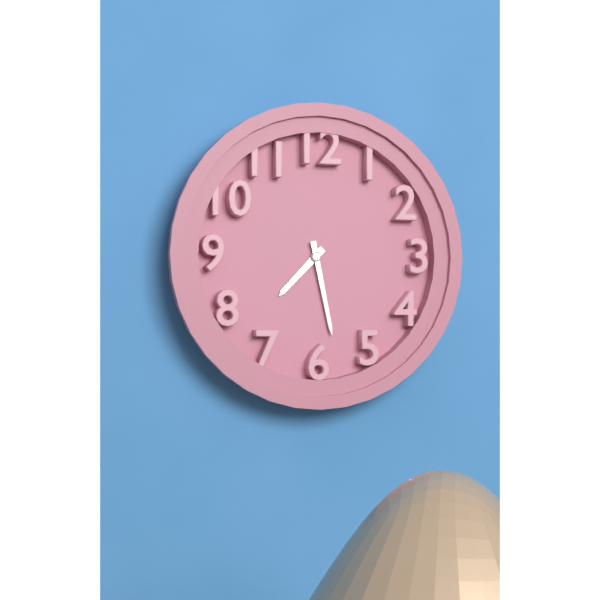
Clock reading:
**7:28**
